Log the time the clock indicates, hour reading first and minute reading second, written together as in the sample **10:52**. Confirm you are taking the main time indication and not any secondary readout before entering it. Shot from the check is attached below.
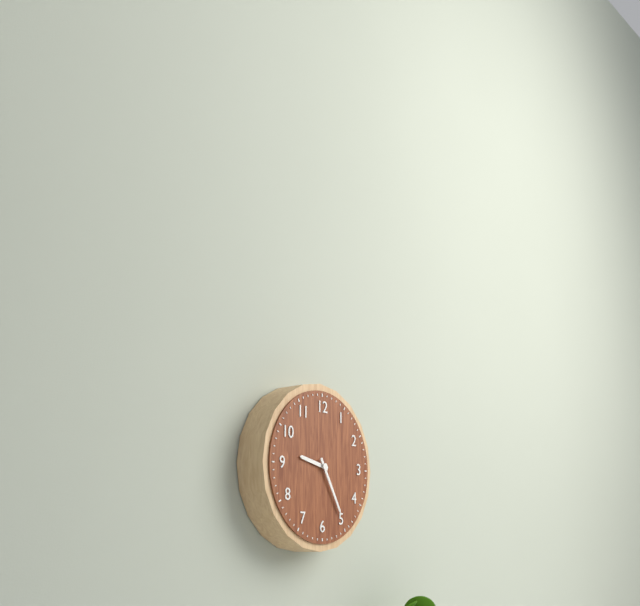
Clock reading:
**9:25**
